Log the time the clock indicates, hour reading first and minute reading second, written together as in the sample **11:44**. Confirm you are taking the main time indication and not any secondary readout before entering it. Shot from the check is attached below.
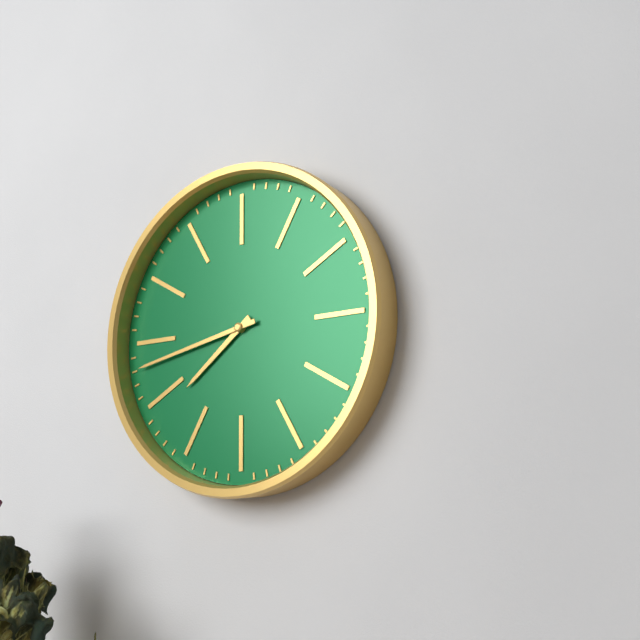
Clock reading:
**7:43**
